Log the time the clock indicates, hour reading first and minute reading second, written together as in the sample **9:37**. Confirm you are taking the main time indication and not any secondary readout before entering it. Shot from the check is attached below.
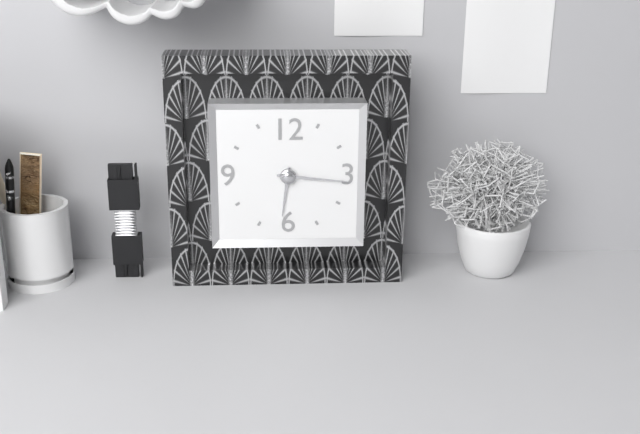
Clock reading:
**6:16**
